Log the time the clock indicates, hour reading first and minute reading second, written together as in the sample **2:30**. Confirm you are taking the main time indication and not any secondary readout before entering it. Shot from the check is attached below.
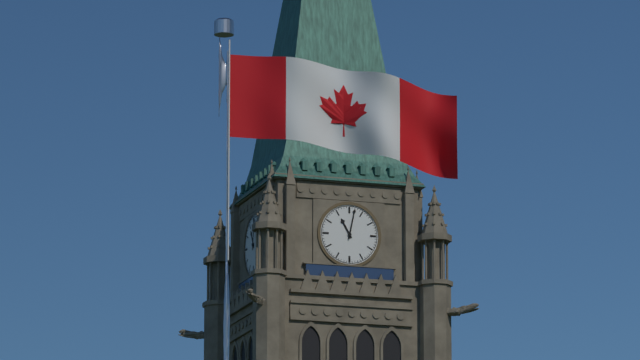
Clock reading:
**11:02**
